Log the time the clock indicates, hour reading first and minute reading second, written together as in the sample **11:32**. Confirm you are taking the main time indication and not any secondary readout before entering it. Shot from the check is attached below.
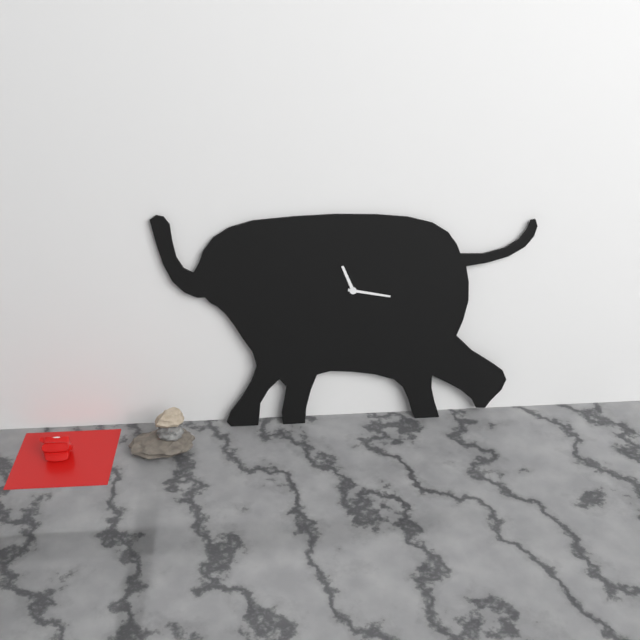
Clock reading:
**11:17**
